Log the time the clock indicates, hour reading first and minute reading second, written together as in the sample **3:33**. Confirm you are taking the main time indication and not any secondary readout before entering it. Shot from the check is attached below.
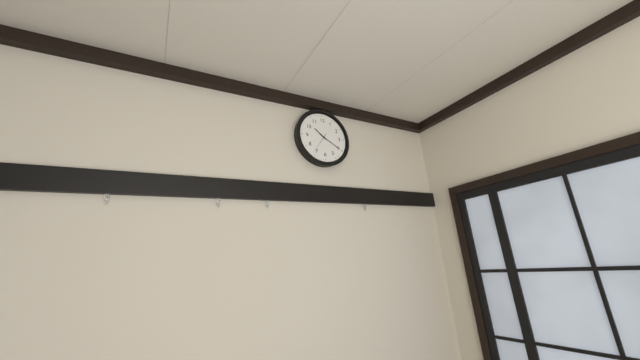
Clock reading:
**10:20**
